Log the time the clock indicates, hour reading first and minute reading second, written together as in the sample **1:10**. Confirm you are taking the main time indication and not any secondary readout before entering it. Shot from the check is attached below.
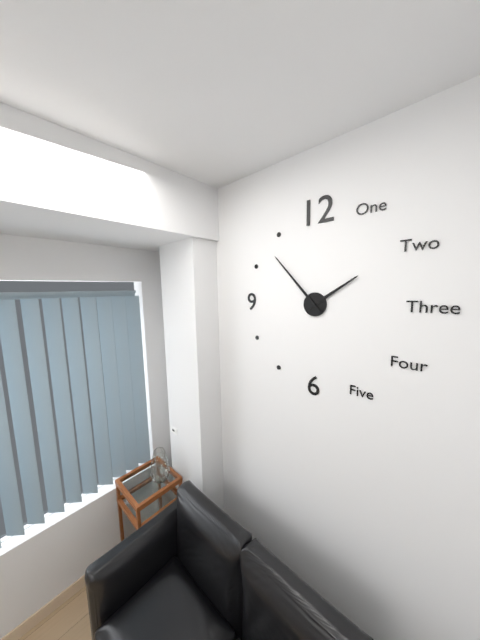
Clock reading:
**1:53**
